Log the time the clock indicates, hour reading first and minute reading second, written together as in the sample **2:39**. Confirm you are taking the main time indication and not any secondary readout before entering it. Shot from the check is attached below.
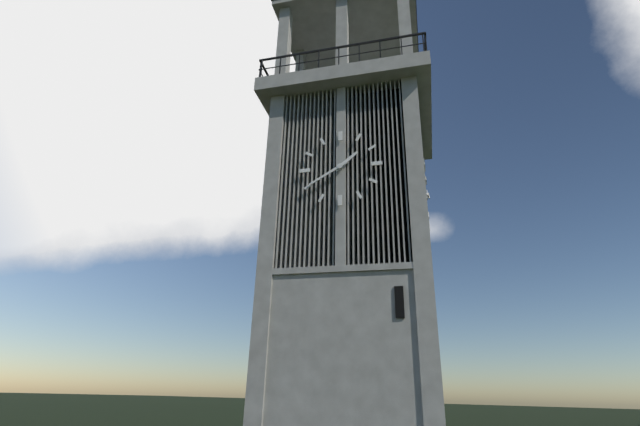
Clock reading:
**1:40**
